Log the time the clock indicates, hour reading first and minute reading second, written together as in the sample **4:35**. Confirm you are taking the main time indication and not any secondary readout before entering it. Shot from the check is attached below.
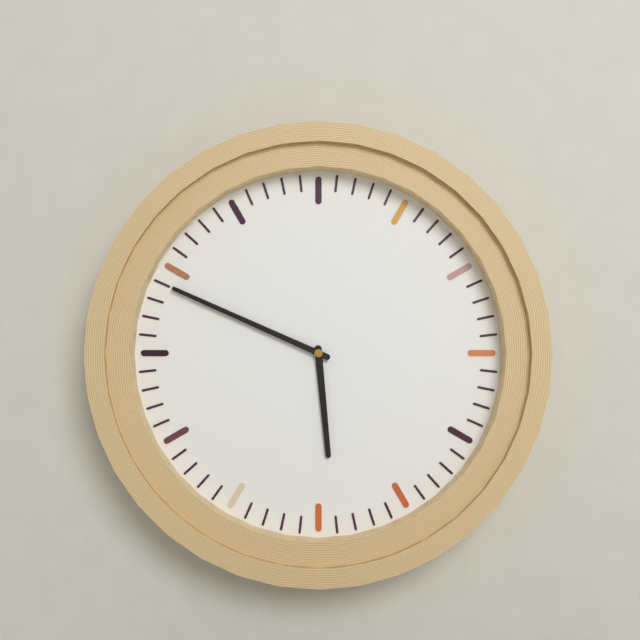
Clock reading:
**5:49**
